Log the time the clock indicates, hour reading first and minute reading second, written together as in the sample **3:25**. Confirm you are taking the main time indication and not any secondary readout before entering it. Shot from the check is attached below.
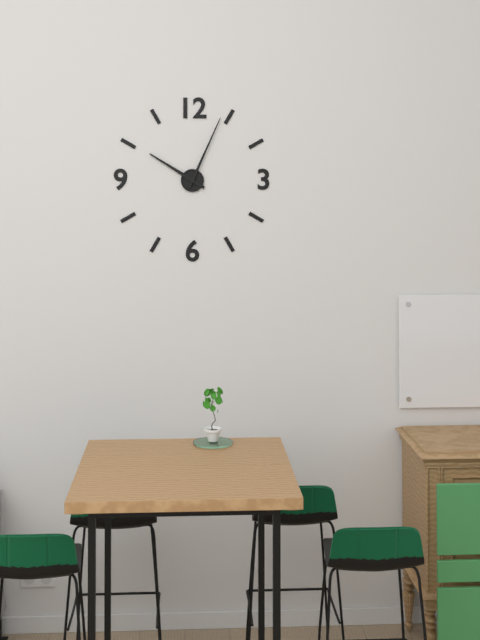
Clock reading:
**10:04**
